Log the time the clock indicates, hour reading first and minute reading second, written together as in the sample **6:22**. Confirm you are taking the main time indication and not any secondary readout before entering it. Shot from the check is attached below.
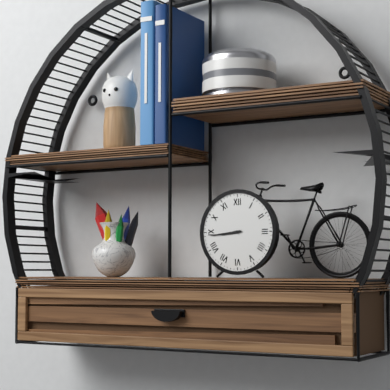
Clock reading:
**8:44**
